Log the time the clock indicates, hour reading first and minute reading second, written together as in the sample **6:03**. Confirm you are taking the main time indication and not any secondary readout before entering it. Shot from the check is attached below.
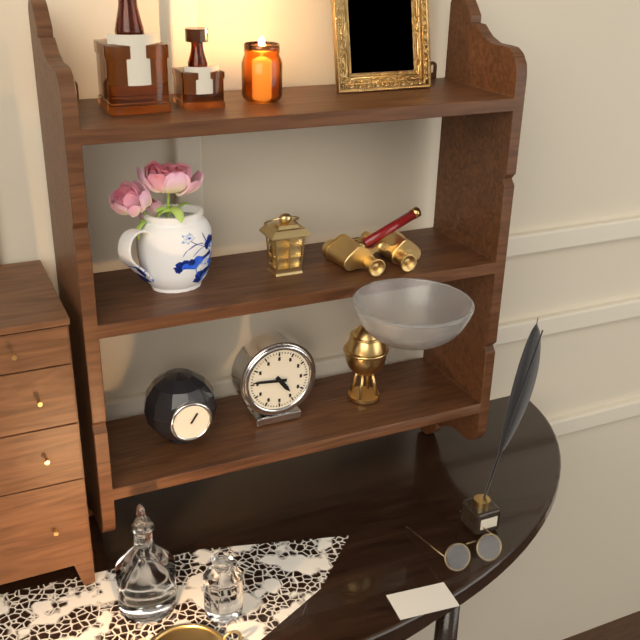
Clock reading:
**4:46**
